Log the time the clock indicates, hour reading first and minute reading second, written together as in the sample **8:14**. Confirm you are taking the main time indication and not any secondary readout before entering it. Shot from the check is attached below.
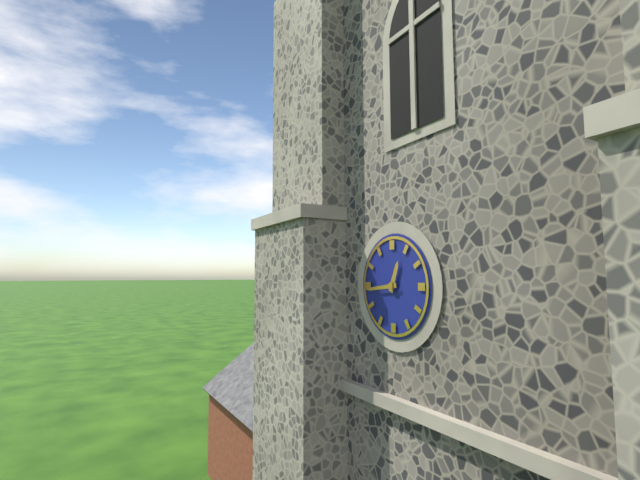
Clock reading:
**12:44**
